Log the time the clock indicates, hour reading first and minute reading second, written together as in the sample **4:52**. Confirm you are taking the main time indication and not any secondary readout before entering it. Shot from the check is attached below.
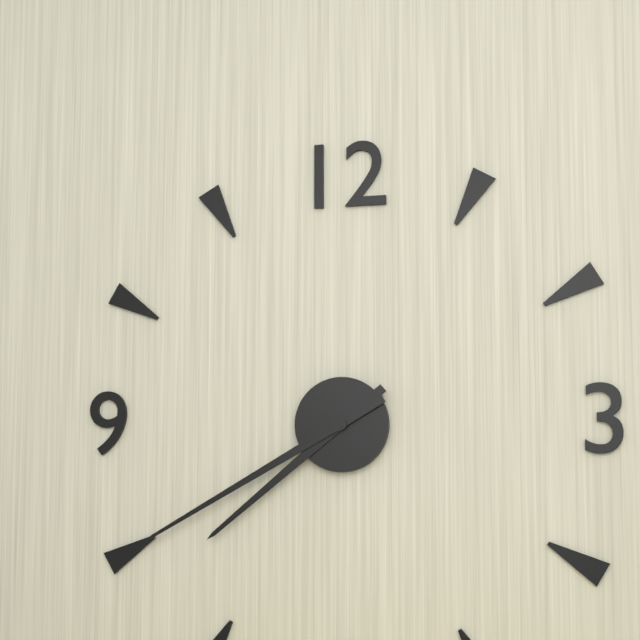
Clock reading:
**7:40**
